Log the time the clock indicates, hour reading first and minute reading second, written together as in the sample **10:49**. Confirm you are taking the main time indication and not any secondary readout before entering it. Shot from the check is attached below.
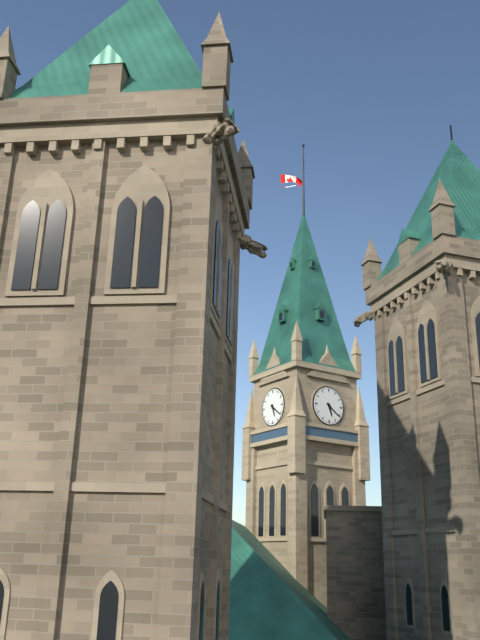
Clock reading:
**5:21**
